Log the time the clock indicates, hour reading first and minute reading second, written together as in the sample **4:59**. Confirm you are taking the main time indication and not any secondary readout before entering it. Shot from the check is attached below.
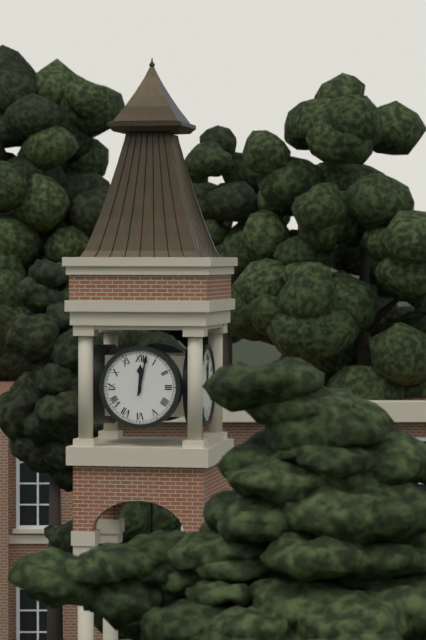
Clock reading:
**12:02**
